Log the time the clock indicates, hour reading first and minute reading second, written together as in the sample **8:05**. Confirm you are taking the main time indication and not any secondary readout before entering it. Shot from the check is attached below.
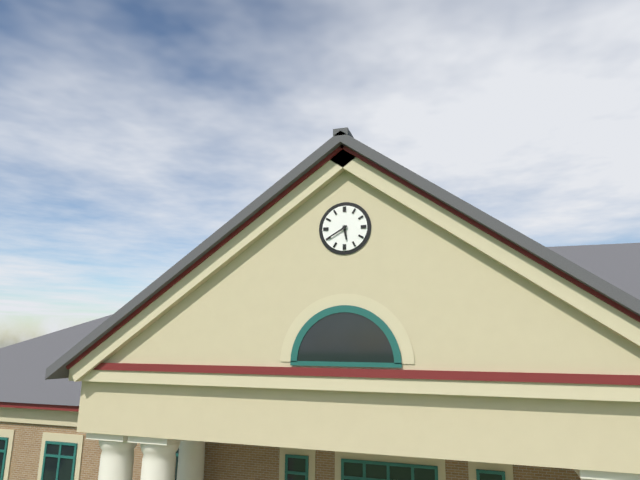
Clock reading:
**5:40**
